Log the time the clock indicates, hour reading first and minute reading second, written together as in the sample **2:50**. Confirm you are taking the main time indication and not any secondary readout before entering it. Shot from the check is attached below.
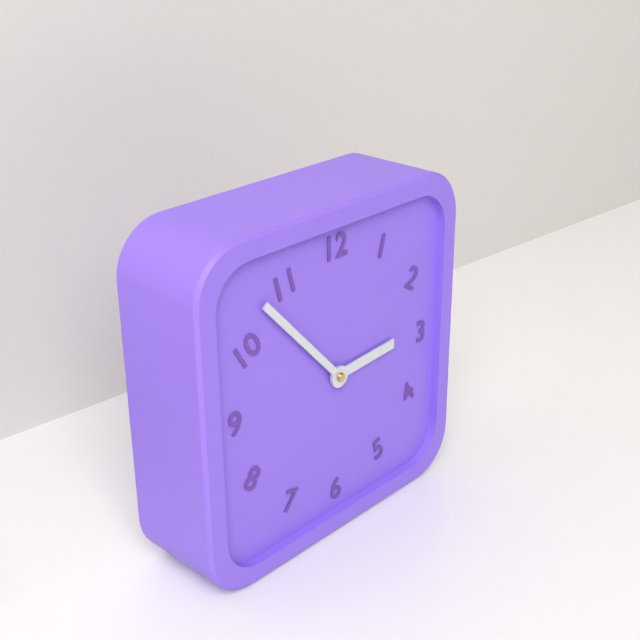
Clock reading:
**2:53**
